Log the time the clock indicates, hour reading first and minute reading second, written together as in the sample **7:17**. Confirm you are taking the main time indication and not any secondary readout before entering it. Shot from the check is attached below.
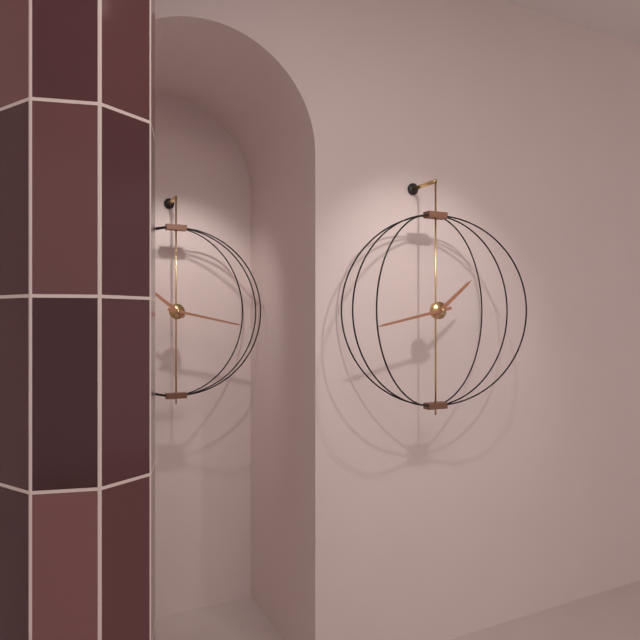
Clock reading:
**1:43**
